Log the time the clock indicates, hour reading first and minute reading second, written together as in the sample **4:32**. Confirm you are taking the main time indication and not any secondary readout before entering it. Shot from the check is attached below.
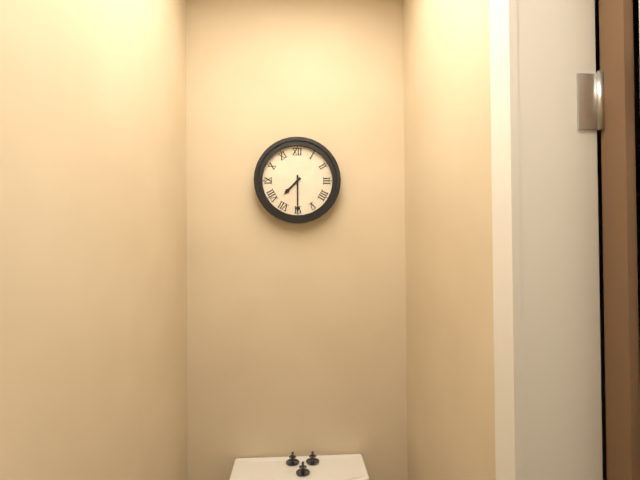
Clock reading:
**7:30**
